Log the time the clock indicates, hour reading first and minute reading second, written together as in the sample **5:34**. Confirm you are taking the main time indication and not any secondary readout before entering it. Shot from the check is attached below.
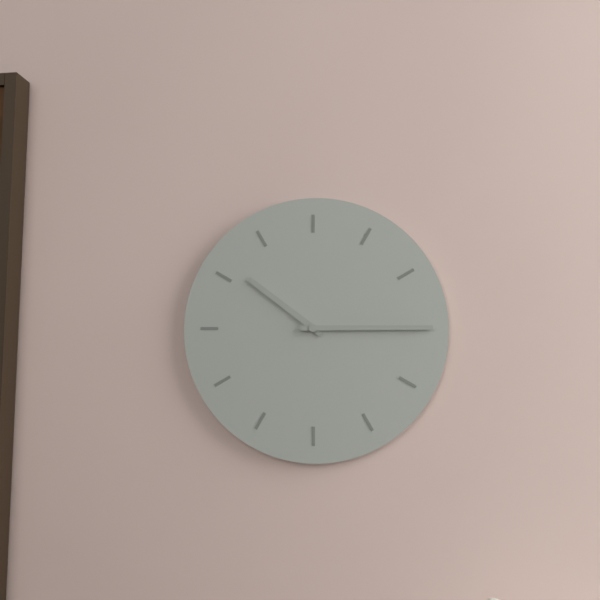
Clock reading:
**10:15**
